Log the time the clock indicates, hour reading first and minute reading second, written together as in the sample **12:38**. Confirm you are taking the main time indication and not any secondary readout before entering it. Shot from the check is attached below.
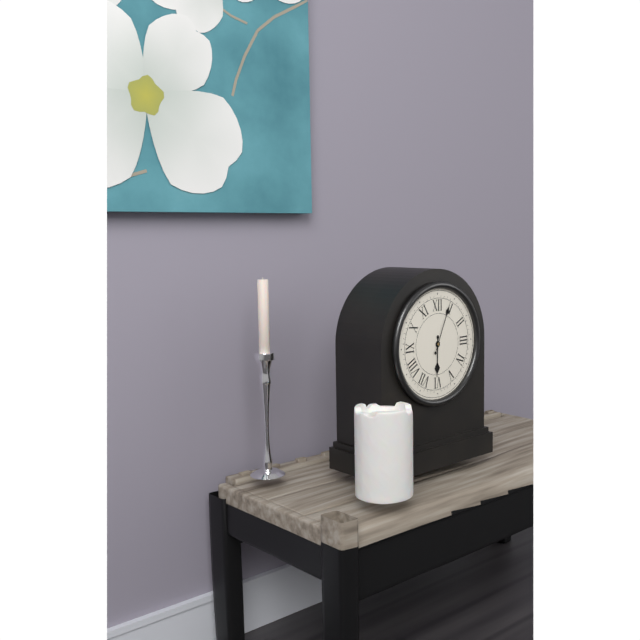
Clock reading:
**6:04**
